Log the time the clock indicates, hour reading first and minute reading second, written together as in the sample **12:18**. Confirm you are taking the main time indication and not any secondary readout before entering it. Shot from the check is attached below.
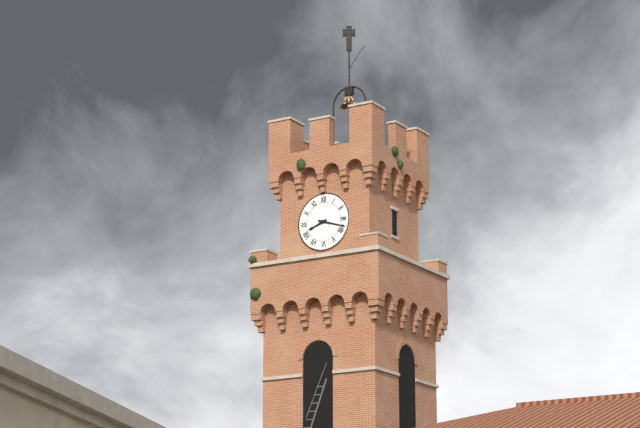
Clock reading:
**8:18**
